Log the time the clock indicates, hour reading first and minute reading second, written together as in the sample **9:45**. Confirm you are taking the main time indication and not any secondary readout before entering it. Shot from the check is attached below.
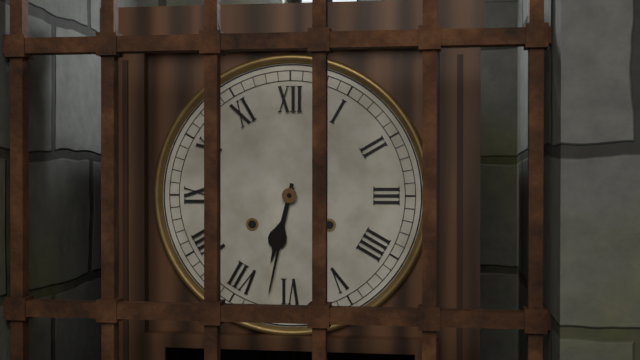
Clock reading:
**6:32**
